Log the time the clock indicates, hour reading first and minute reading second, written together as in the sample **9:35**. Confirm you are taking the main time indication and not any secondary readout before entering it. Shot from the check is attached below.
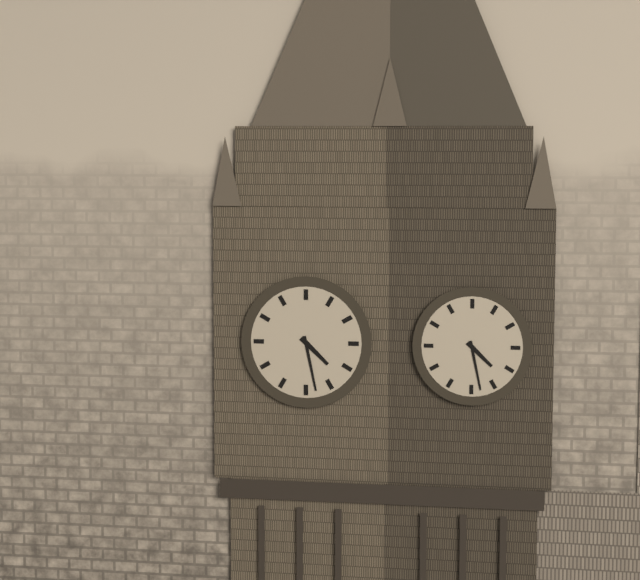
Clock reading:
**4:28**
